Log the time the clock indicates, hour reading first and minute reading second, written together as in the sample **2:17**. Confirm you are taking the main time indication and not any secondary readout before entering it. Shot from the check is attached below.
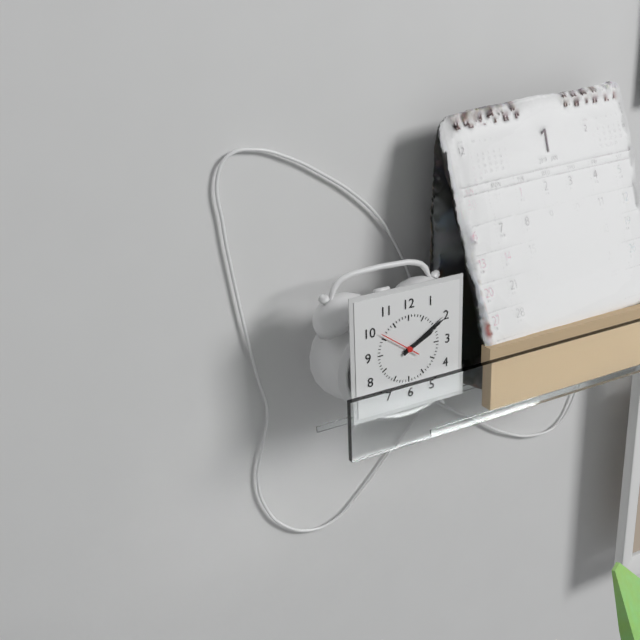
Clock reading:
**2:10**
